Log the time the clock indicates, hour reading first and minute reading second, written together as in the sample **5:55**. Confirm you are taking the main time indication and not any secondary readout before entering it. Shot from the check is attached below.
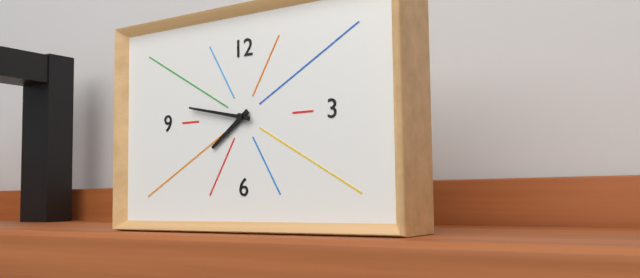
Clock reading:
**7:47**
